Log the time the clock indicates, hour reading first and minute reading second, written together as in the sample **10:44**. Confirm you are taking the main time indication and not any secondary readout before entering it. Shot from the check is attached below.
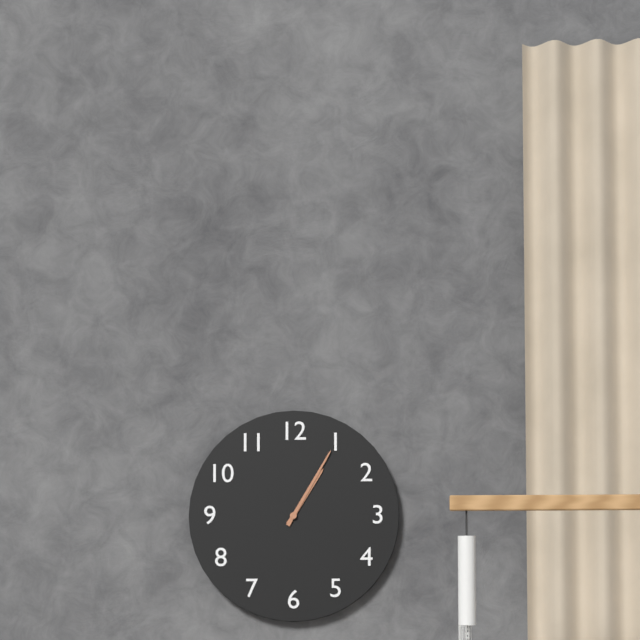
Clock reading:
**1:05**
